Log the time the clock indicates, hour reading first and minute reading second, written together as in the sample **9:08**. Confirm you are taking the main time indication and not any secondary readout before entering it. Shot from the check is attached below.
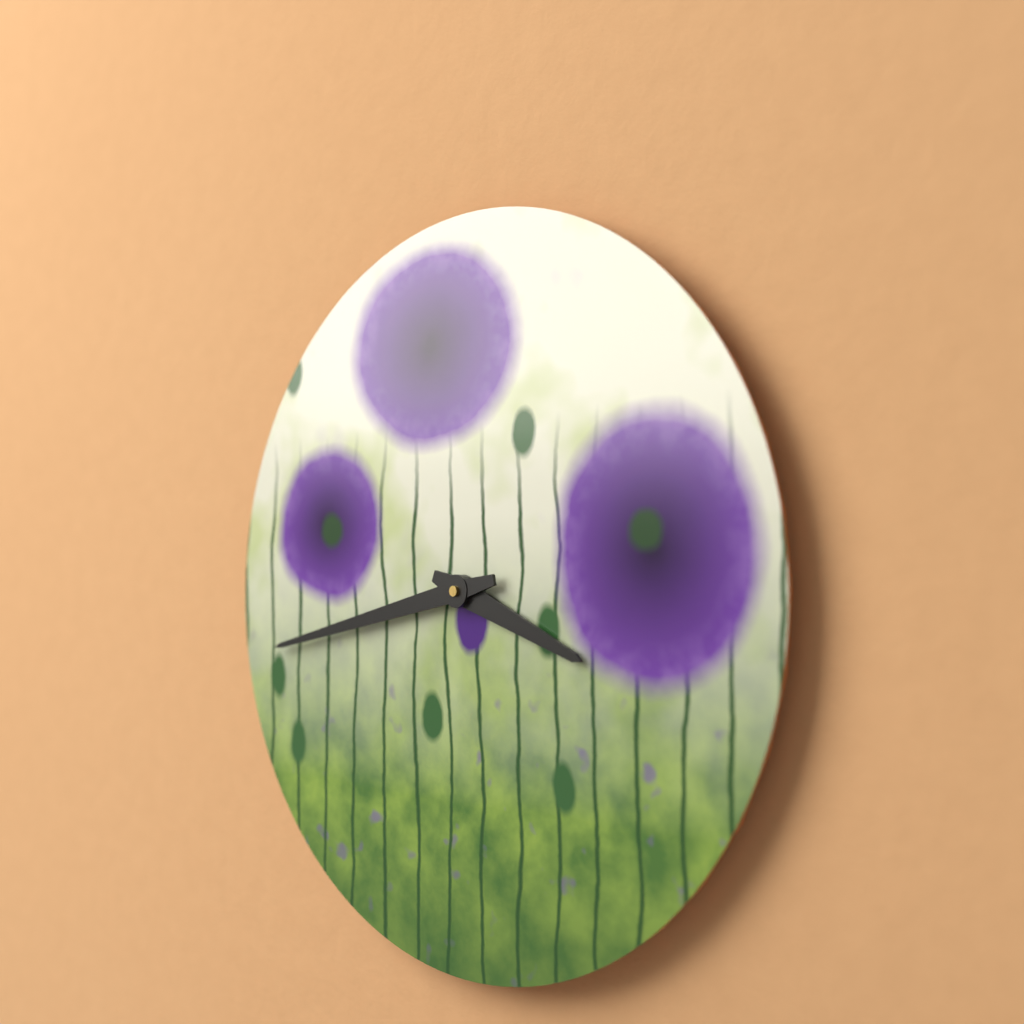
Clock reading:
**3:43**
